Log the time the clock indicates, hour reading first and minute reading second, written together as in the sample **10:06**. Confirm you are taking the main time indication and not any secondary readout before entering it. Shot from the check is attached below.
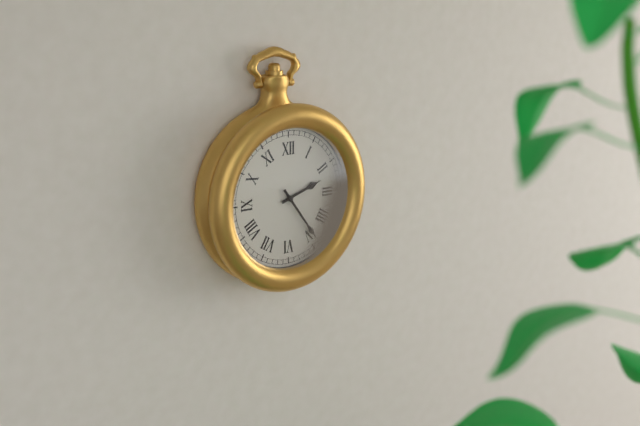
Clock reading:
**2:24**
